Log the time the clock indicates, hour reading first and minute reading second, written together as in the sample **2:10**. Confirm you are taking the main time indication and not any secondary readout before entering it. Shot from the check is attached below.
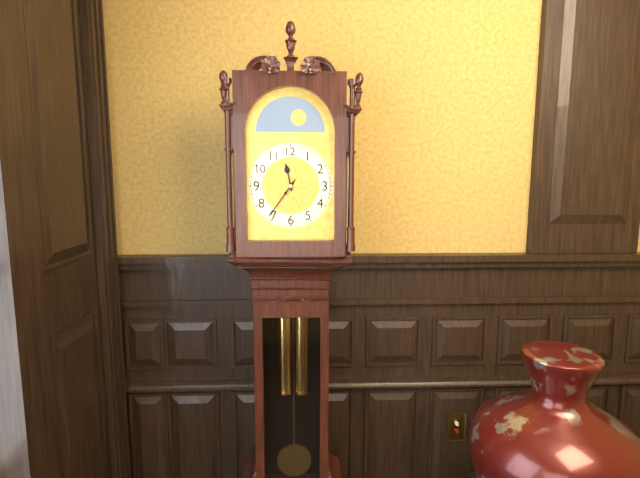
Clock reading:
**11:36**
